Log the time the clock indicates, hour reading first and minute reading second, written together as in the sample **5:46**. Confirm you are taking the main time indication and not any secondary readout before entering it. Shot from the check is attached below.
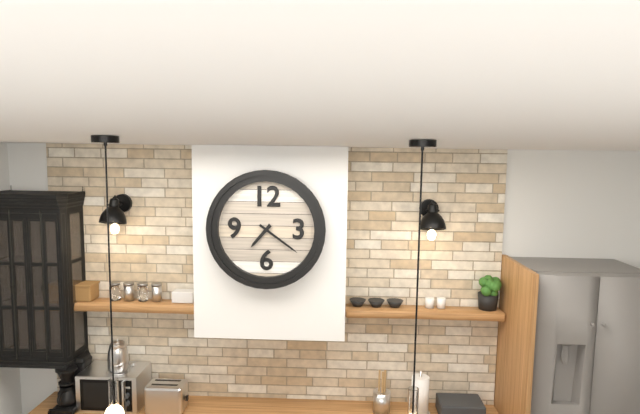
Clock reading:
**7:21**
